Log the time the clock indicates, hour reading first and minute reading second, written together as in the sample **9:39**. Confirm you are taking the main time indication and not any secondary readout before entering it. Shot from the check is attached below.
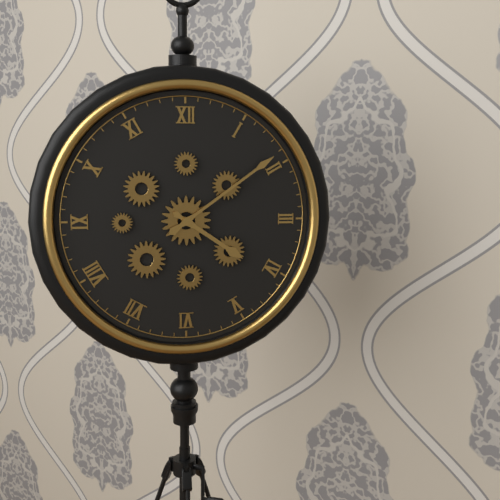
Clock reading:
**4:09**
